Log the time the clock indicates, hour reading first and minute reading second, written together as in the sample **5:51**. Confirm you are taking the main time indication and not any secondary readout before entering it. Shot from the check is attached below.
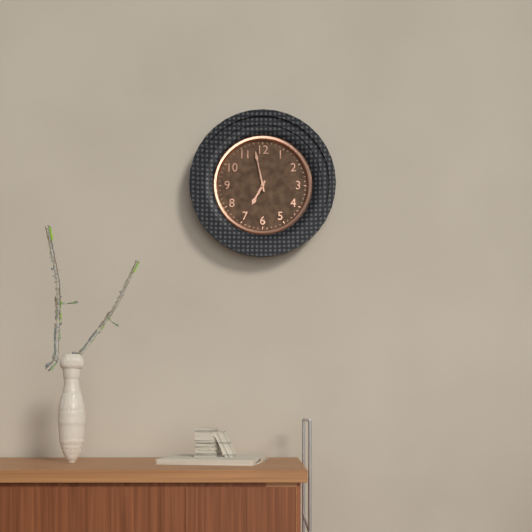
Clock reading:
**6:58**
